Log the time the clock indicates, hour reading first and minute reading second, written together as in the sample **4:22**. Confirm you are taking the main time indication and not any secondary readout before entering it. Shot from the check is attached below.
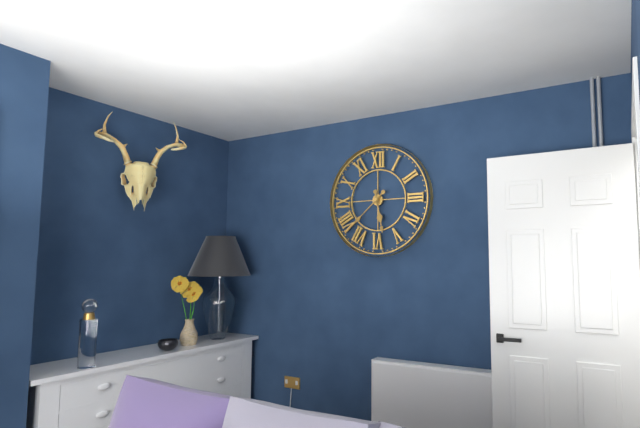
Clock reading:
**5:38**
